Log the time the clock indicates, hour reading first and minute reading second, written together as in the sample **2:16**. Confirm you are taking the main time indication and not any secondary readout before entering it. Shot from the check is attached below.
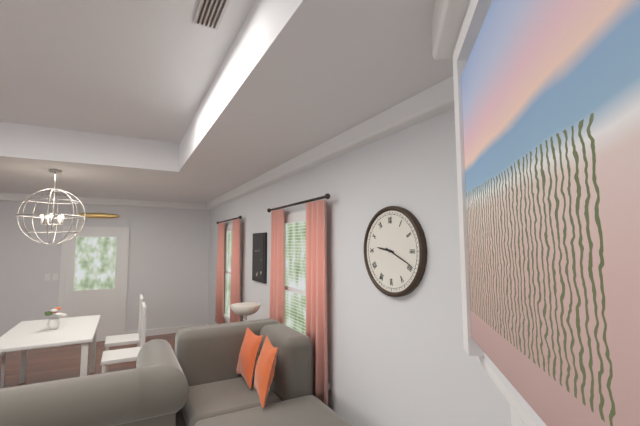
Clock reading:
**9:19**
